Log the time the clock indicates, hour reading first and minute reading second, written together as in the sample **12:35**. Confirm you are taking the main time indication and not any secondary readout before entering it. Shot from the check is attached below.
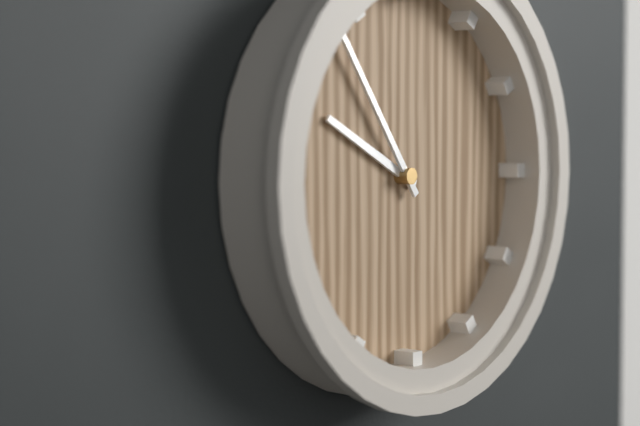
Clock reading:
**9:54**
